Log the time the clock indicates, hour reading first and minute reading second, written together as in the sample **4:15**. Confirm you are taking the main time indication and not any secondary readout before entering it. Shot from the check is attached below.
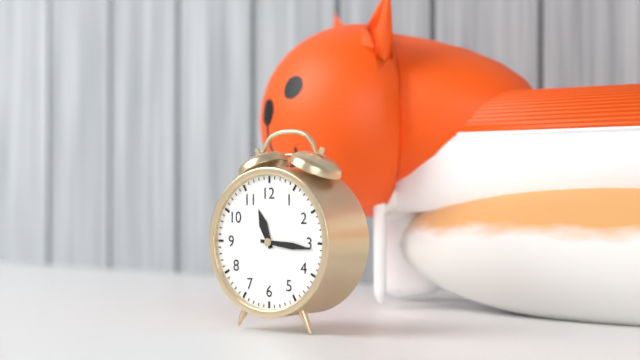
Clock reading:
**11:16**
